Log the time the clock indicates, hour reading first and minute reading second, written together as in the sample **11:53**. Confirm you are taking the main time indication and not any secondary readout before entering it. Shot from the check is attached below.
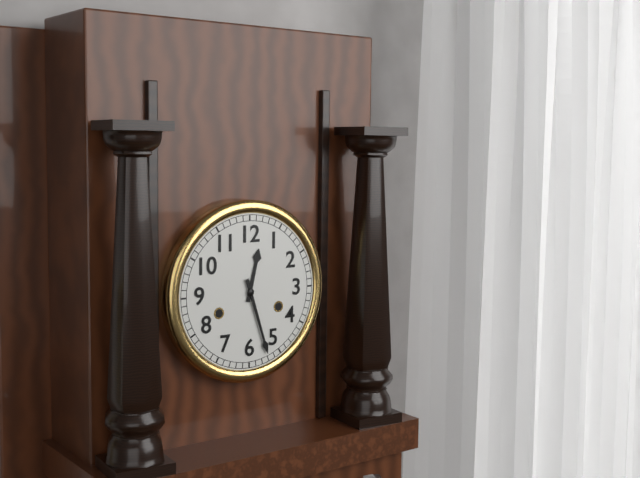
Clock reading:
**12:27**
